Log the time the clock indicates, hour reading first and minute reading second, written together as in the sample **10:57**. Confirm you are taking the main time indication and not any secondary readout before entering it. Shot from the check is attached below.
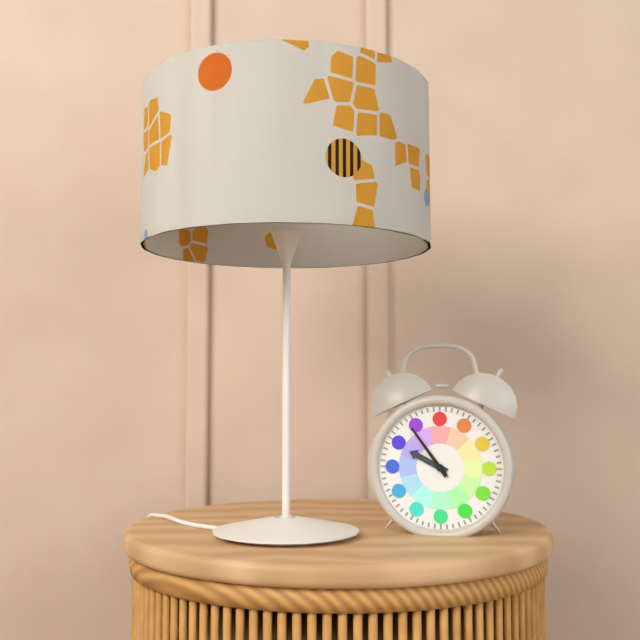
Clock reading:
**9:54**
